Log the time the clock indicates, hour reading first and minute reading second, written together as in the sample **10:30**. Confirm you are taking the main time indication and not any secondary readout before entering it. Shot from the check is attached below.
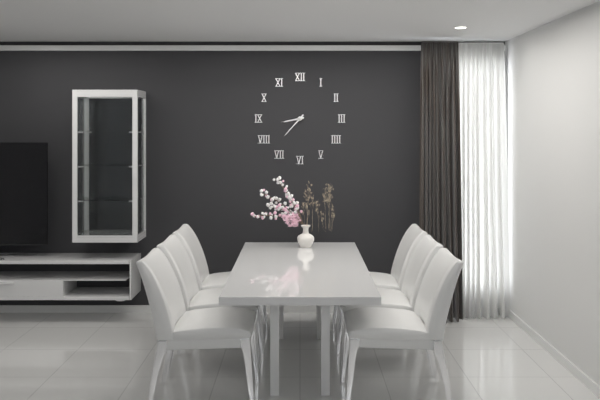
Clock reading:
**8:37**
